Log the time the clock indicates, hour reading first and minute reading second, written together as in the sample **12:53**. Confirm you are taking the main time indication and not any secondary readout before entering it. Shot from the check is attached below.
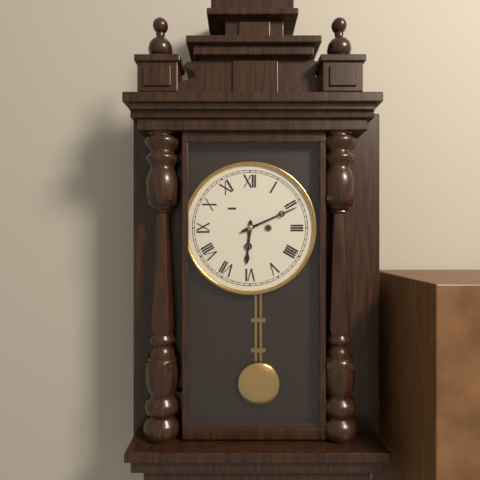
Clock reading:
**6:11**
